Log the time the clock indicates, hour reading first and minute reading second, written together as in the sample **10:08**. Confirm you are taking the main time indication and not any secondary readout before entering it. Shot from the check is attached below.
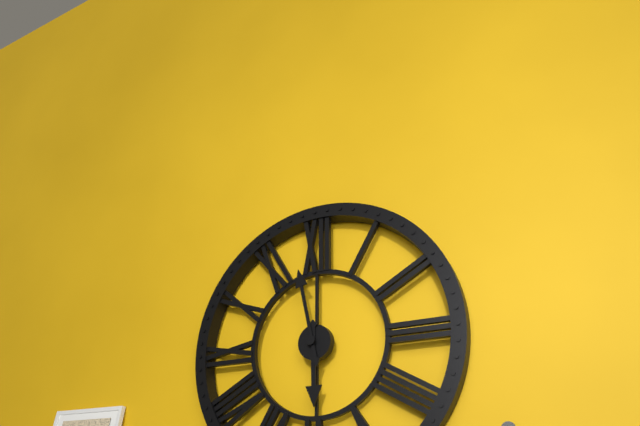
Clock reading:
**5:58**
